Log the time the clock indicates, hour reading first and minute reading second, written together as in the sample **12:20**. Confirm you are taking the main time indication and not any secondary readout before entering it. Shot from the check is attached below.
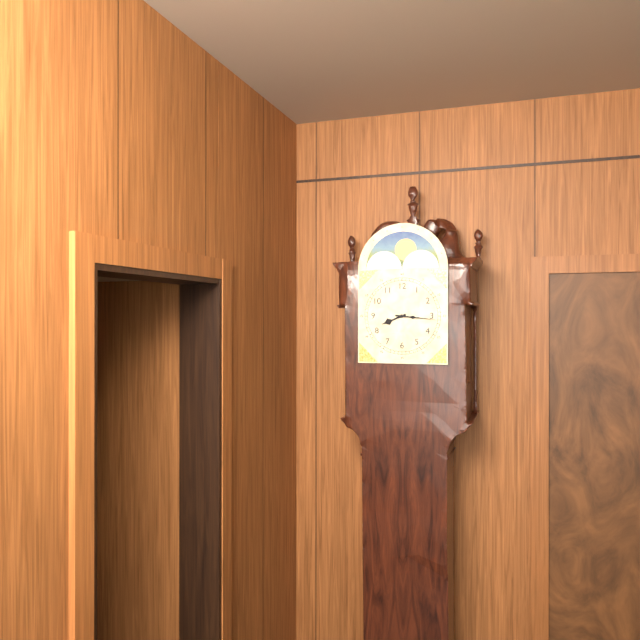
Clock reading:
**8:16**
